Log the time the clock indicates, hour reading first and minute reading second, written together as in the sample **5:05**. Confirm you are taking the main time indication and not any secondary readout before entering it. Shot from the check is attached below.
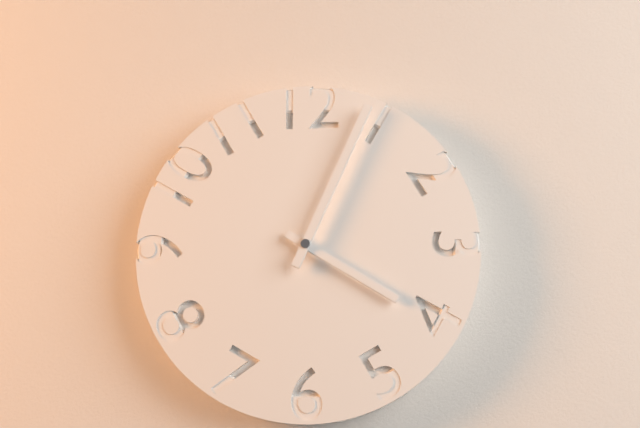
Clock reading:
**4:04**
